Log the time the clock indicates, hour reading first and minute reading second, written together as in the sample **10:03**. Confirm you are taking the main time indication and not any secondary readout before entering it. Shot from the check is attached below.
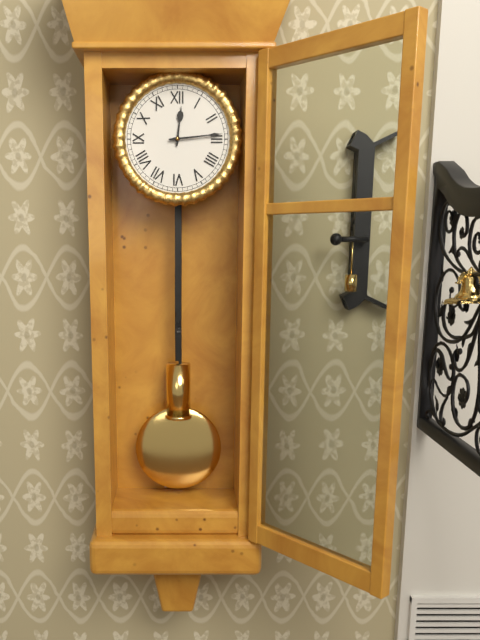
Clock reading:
**12:14**
